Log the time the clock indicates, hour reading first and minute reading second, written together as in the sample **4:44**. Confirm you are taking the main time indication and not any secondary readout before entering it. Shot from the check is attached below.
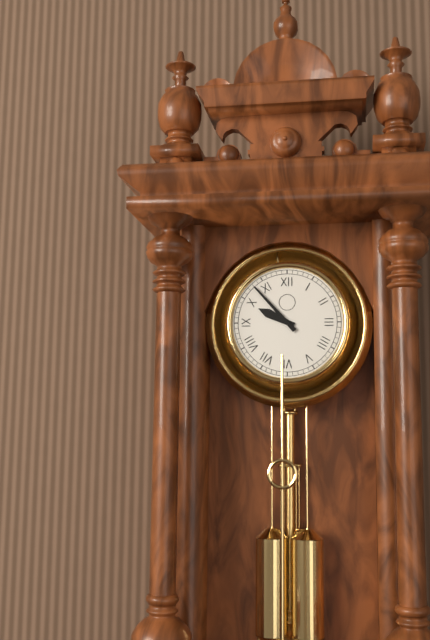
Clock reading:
**9:53**
